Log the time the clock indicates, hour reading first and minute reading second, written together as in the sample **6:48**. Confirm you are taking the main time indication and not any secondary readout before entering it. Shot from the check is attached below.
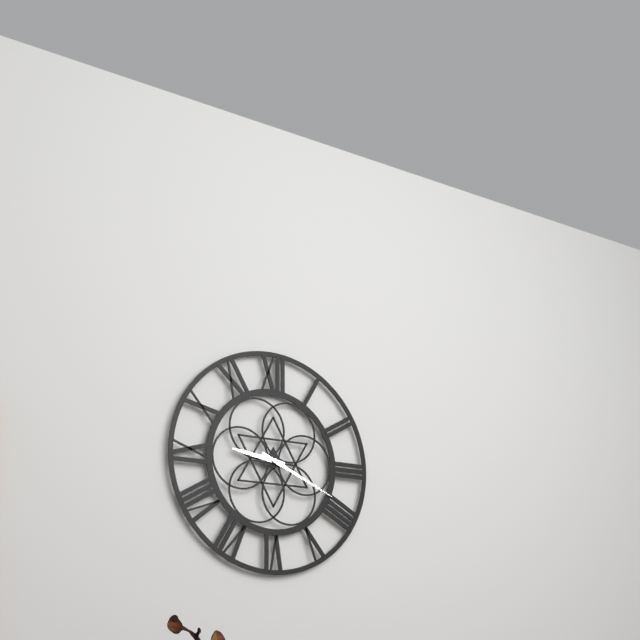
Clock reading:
**9:19**
